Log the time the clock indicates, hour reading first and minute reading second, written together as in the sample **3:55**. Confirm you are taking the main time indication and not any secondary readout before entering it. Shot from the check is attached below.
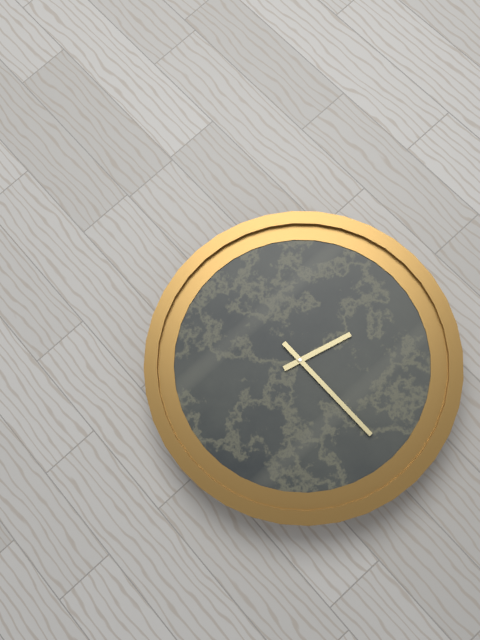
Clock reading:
**3:30**
